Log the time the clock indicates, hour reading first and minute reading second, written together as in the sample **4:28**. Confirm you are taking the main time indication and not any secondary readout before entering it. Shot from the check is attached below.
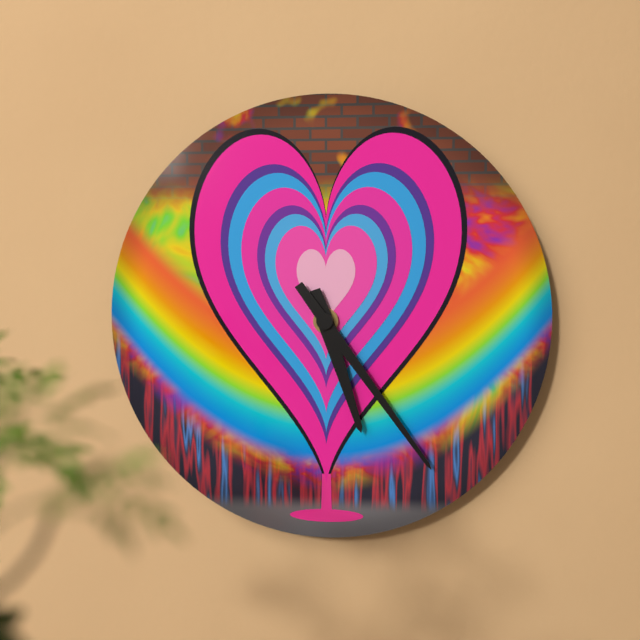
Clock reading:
**5:24**
